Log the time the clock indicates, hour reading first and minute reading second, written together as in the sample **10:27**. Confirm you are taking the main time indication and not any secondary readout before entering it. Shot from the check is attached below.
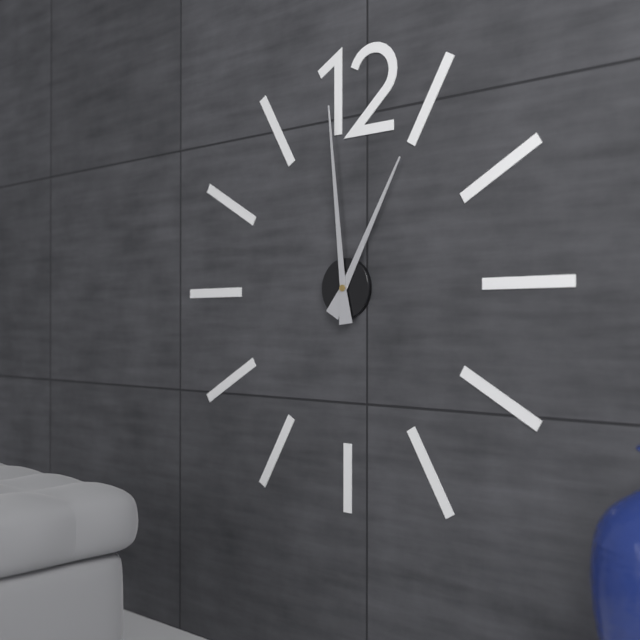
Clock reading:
**12:59**
